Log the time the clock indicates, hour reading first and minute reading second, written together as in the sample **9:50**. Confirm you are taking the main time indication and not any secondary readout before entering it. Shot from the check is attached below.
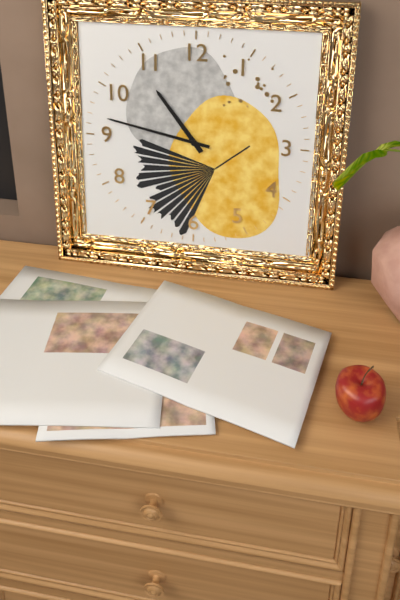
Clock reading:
**10:47**
